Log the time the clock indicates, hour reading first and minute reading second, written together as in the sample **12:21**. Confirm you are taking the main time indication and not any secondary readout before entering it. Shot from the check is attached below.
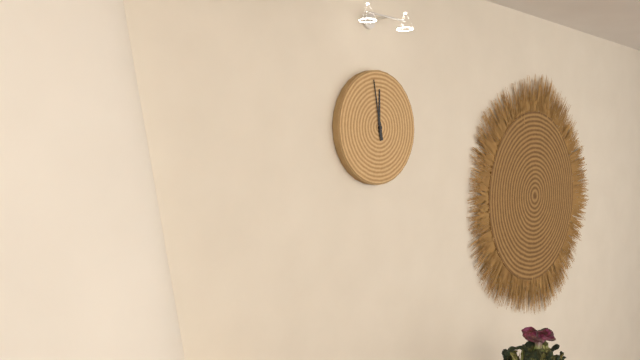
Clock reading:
**11:58**
